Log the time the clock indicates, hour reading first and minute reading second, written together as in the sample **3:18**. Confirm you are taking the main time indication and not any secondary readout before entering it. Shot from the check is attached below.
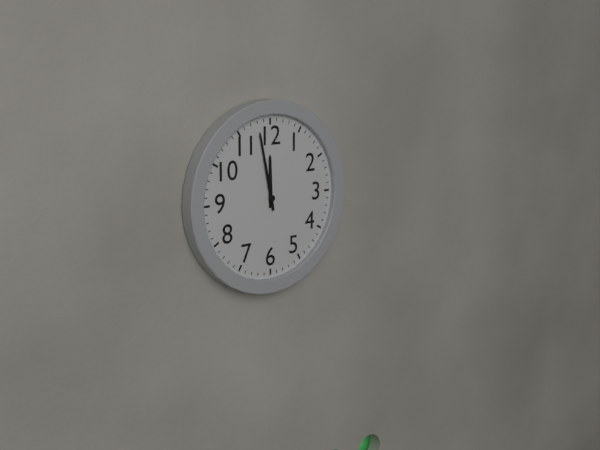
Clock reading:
**11:58**
